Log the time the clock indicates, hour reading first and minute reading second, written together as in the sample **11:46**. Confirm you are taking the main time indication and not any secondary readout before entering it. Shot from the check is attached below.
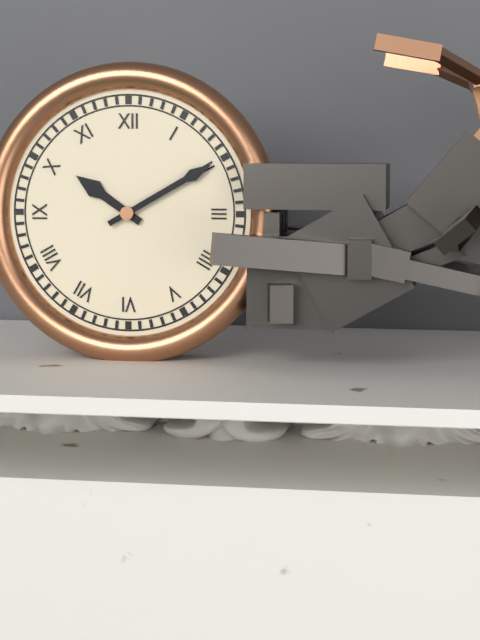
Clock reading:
**10:10**
